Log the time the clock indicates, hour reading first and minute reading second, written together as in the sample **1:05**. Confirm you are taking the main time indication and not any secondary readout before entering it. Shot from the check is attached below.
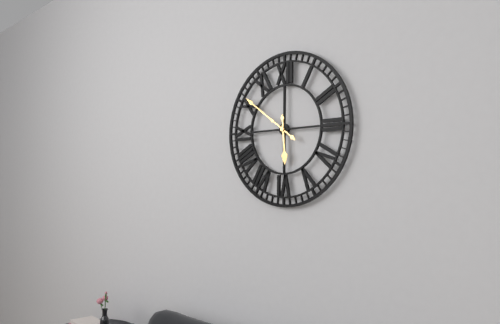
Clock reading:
**5:51**
